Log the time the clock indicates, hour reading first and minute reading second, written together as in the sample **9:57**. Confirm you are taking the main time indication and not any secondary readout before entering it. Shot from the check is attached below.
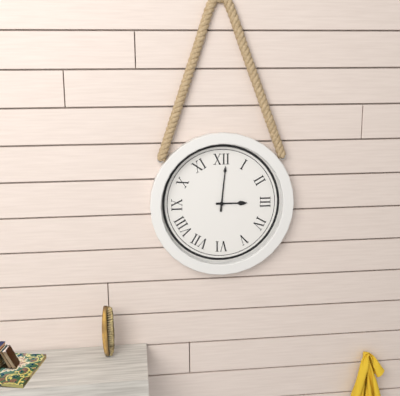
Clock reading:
**3:01**
